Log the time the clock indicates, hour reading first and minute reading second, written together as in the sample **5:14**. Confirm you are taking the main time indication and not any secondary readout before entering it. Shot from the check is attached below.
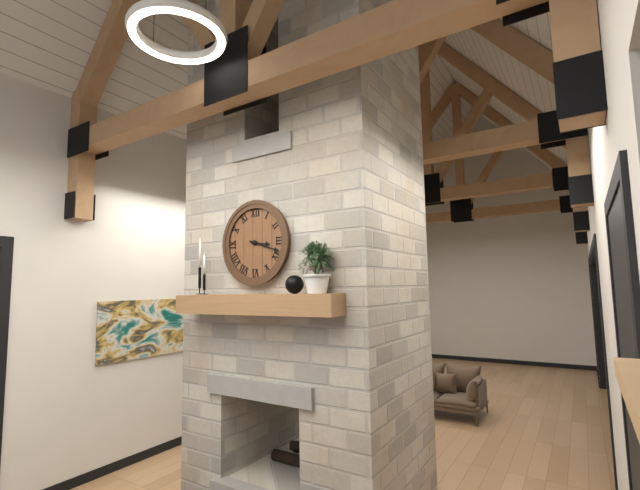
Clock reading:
**3:18**
